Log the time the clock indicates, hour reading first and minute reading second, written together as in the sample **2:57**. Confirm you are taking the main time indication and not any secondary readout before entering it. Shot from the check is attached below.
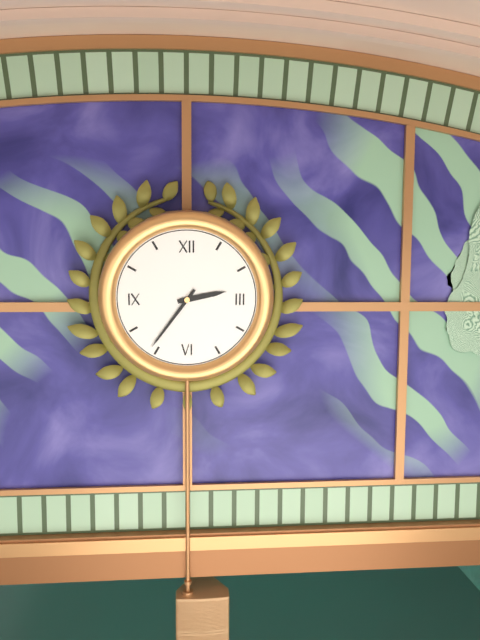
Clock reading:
**2:36**
